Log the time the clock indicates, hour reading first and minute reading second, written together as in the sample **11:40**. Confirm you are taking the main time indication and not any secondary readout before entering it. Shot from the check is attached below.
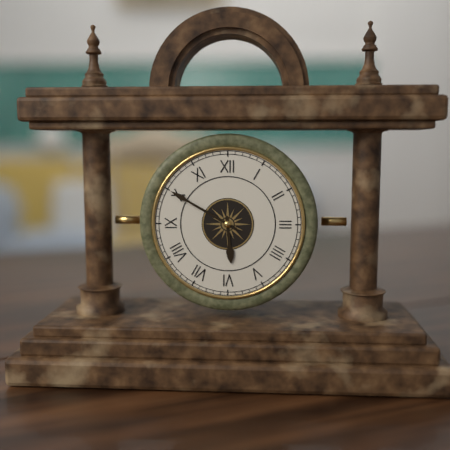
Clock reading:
**5:50**
